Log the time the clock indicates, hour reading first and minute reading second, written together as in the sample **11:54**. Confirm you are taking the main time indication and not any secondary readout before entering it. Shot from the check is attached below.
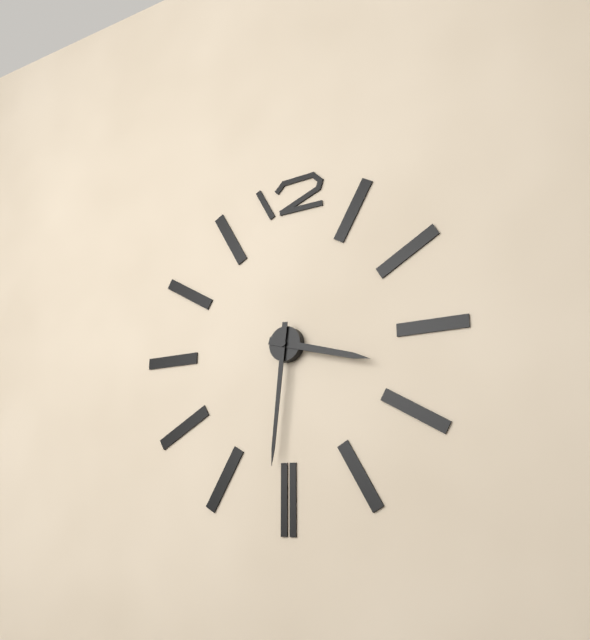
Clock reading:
**3:31**
